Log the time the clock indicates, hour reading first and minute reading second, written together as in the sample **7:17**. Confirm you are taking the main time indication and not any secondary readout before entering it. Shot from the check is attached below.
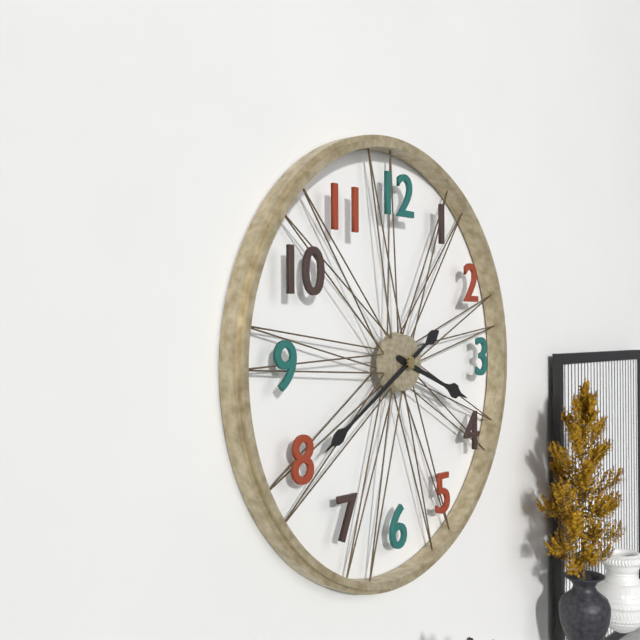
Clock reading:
**3:40**
